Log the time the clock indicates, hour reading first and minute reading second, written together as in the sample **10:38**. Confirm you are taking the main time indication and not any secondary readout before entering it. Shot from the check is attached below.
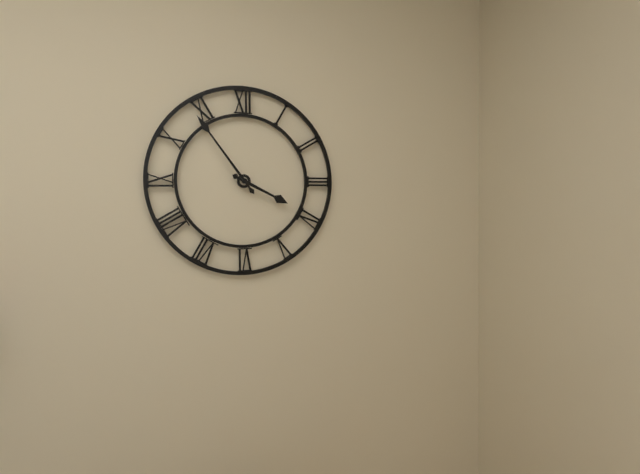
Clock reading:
**3:54**
